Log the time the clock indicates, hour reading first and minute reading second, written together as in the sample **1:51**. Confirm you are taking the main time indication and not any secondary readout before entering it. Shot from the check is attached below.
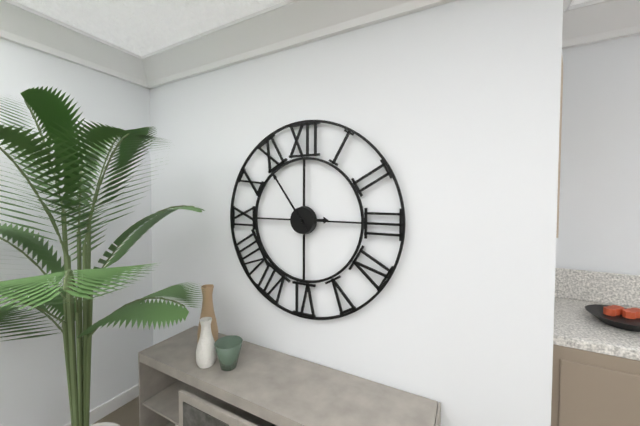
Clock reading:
**2:54**
